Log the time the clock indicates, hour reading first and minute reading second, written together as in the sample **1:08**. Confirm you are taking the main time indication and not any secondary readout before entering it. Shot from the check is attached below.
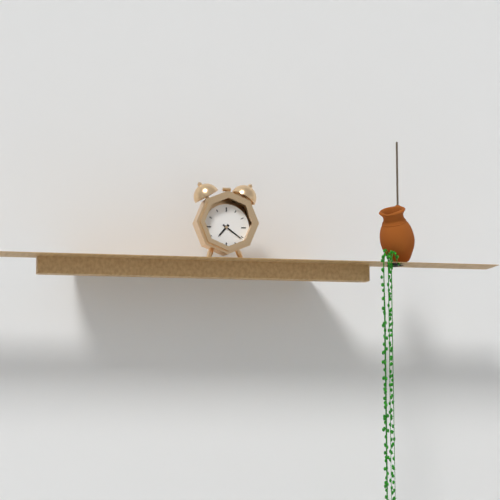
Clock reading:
**7:21**
